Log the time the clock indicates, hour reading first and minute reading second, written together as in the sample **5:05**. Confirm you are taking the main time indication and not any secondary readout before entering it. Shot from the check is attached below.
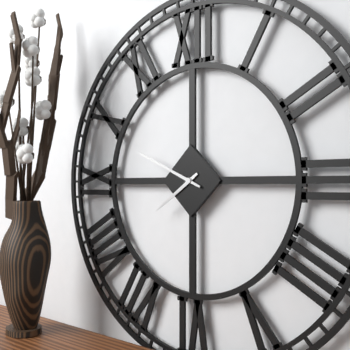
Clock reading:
**7:49**
